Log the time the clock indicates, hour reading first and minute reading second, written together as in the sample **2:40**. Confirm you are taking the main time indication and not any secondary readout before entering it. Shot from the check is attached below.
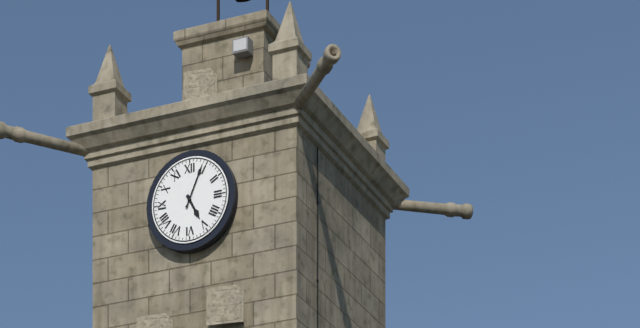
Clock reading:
**5:04**
